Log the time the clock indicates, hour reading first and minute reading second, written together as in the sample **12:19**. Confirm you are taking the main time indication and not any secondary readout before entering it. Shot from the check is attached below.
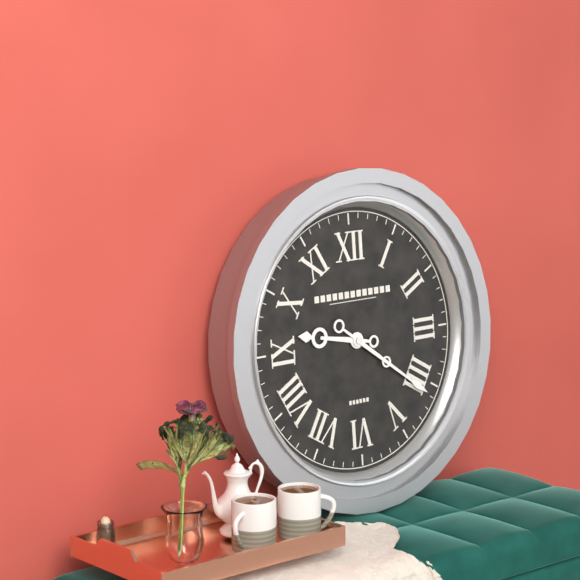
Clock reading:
**9:21**
